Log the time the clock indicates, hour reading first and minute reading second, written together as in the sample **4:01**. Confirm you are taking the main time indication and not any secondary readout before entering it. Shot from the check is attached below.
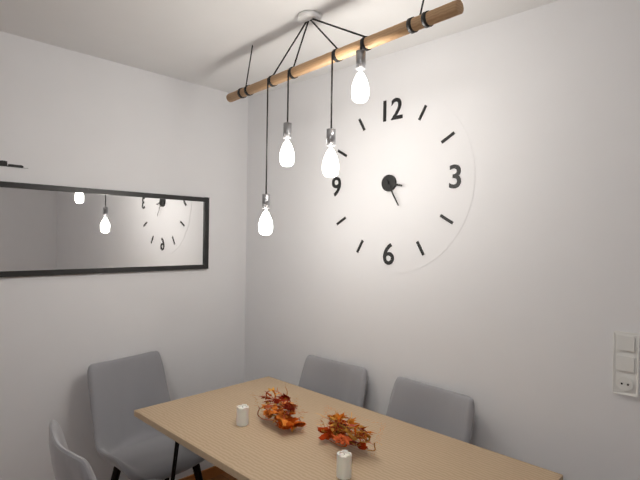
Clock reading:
**3:25**
